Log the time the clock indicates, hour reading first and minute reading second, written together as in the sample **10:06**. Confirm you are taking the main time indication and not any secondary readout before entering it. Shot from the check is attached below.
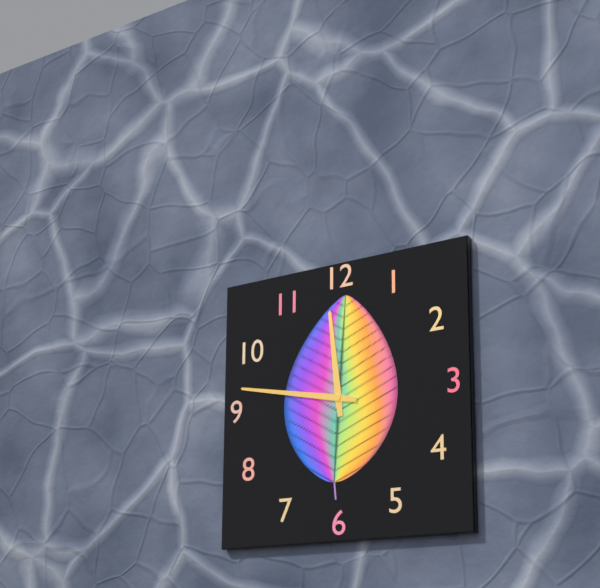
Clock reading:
**11:47**
